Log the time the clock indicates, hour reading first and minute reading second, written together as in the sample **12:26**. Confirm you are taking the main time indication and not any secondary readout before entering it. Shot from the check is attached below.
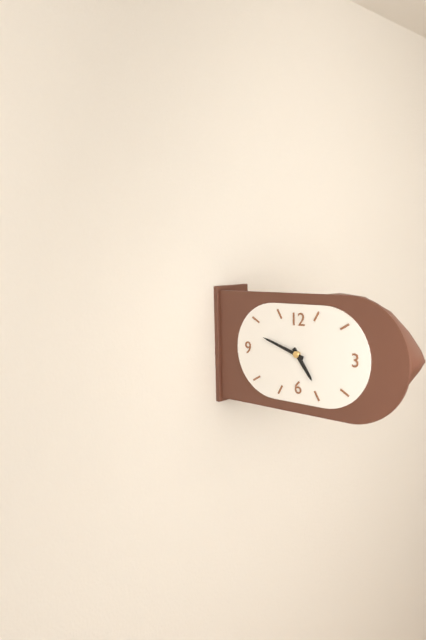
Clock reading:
**4:48**
